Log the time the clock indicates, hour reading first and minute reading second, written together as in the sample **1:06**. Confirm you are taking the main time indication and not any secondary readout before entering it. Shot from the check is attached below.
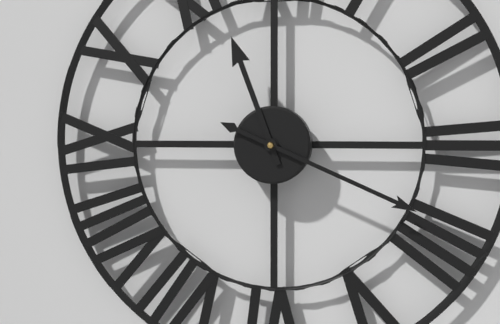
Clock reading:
**11:19**
